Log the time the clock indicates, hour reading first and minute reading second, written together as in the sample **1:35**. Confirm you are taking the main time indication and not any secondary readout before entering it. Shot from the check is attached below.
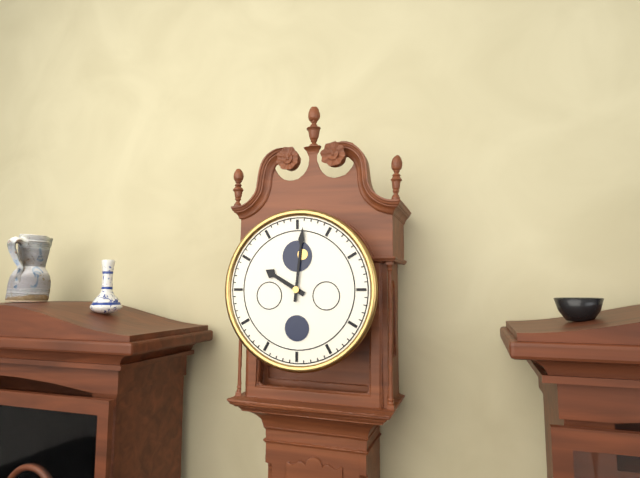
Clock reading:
**10:01**
